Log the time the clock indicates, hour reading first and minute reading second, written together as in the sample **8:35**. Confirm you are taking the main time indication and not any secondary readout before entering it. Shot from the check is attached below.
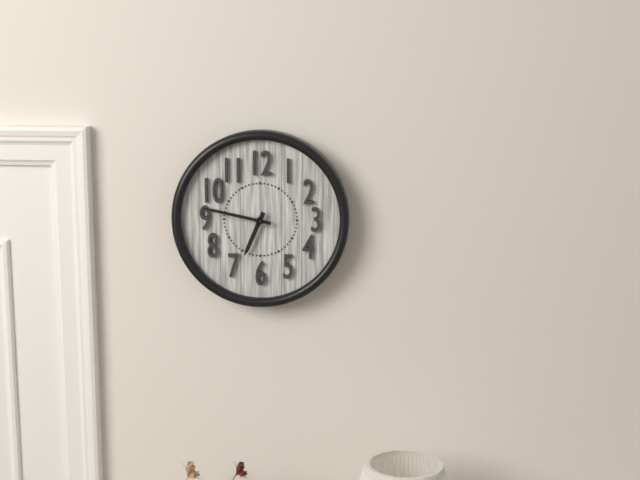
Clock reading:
**6:47**
